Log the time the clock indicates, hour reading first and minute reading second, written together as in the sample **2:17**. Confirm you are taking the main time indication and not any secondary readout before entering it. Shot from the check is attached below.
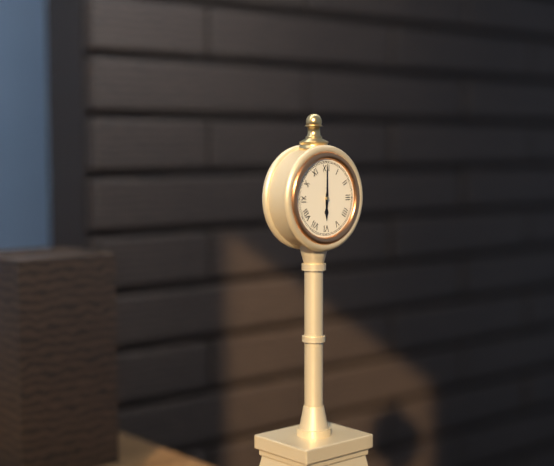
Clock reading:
**6:00**
